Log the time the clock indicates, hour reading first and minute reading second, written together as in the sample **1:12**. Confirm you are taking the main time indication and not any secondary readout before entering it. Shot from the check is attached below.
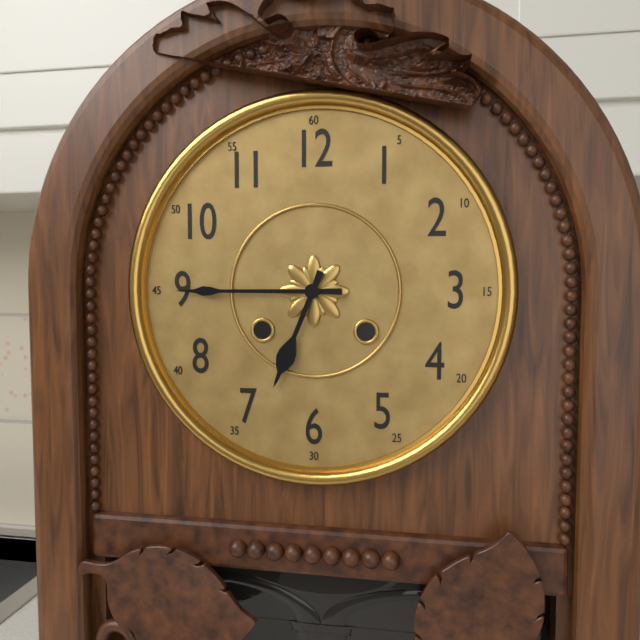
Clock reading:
**6:45**
